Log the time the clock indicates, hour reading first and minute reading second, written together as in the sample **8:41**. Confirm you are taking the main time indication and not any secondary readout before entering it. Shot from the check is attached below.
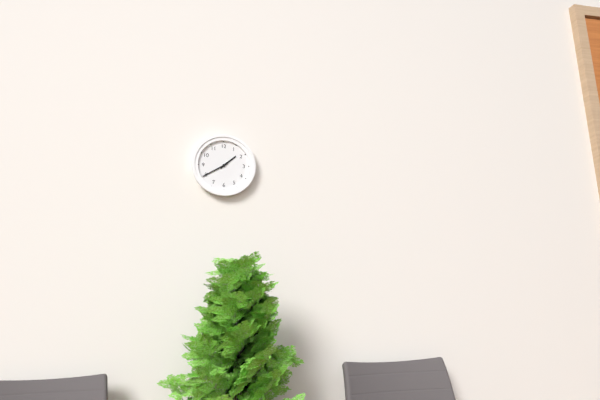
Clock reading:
**1:40**
